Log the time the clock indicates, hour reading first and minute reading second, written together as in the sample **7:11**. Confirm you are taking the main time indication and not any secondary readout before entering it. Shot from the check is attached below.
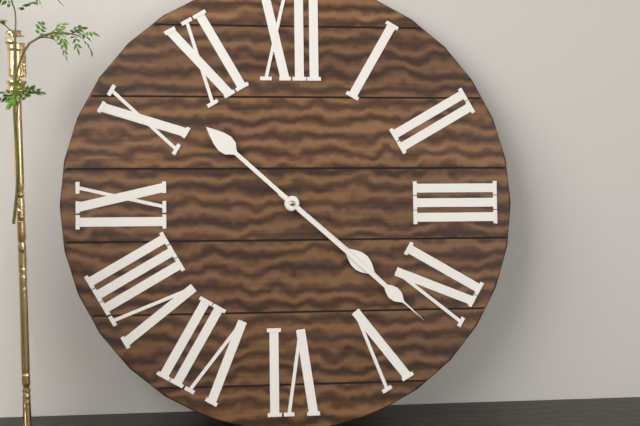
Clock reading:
**4:22**
